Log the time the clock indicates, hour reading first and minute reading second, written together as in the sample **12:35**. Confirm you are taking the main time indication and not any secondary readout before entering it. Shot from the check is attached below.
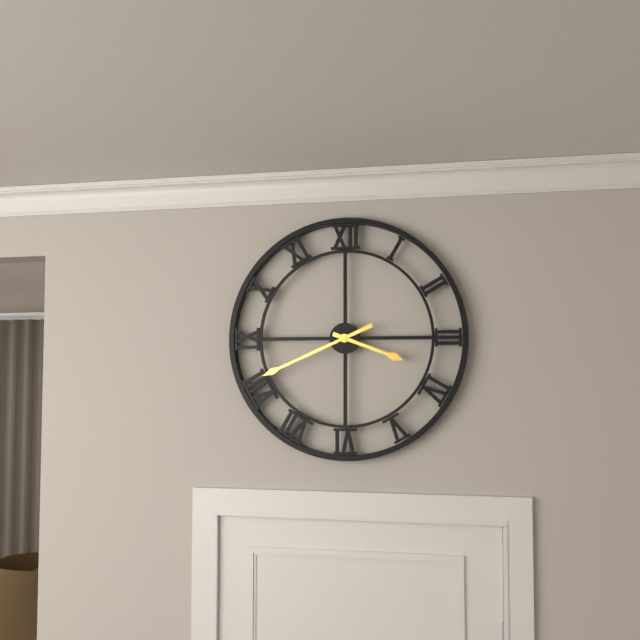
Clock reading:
**3:41**
